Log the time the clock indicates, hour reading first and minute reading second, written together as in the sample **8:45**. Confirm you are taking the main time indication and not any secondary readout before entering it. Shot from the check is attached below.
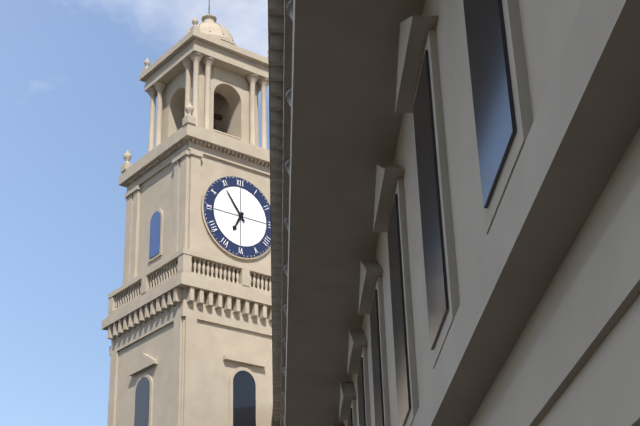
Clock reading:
**6:54**
